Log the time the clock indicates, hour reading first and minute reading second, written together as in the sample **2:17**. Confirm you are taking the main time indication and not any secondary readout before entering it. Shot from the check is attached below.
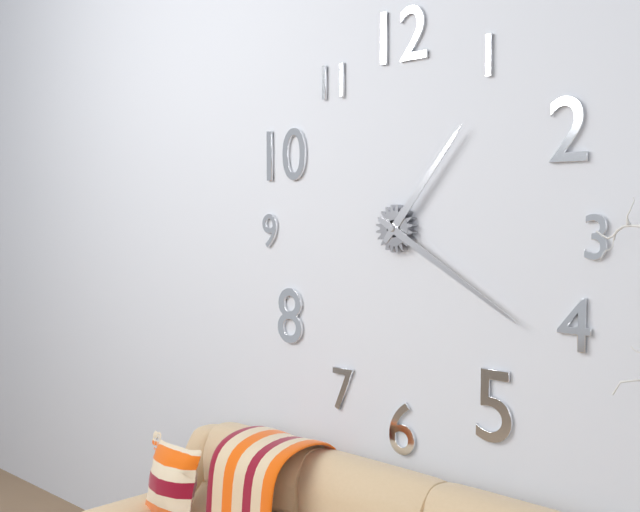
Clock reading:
**1:20**
